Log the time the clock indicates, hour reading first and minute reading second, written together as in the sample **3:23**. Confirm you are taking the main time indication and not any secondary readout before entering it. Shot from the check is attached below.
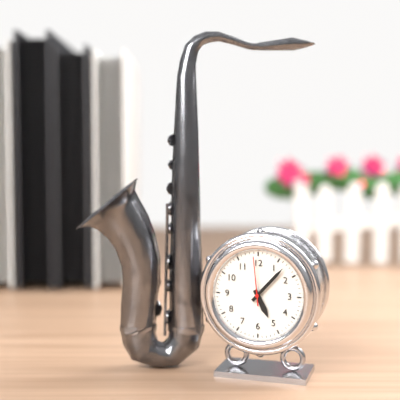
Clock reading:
**5:07**
